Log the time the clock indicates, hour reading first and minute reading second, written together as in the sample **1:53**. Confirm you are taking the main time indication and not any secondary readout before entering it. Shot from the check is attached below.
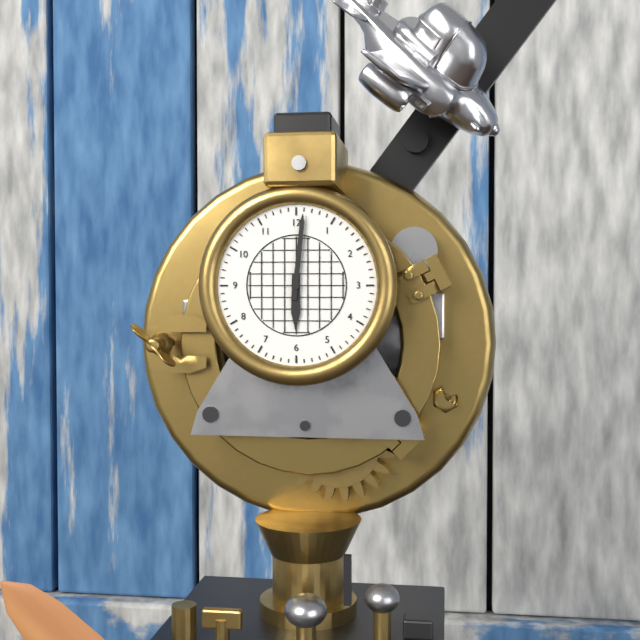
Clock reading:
**6:01**
